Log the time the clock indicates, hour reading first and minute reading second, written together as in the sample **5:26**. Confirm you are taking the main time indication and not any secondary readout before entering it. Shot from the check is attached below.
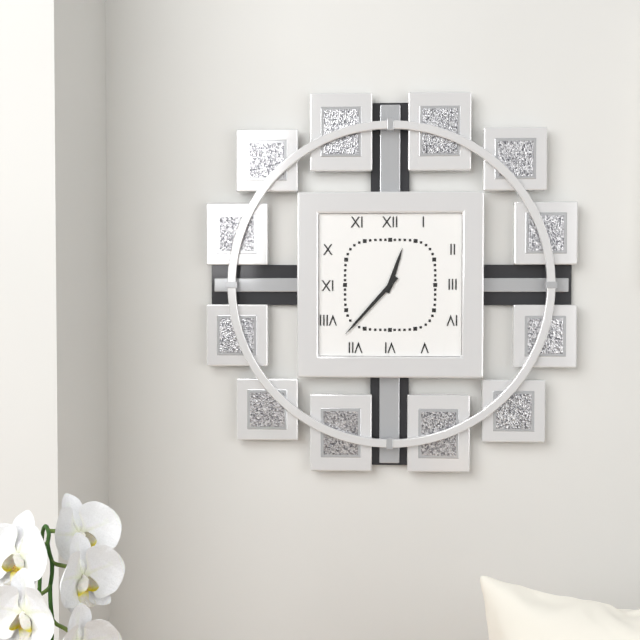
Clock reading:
**12:37**
